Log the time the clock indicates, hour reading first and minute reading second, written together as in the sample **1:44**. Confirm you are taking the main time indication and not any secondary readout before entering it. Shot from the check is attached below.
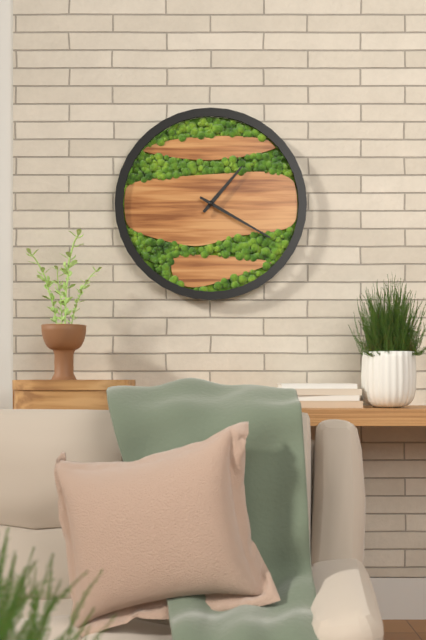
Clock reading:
**1:20**
